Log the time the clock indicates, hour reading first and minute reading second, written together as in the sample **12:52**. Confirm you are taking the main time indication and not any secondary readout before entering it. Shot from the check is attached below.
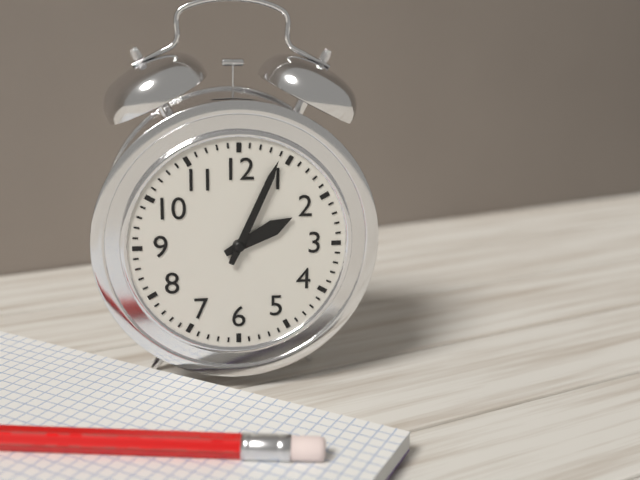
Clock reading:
**2:04**
